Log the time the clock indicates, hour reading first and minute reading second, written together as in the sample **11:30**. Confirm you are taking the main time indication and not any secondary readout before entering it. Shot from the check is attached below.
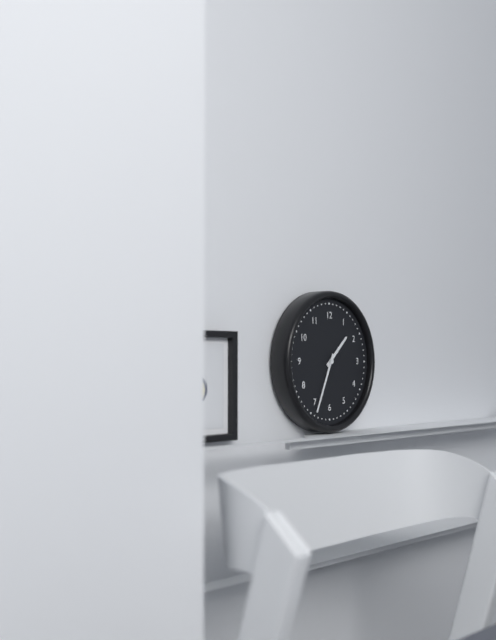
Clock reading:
**1:34**
